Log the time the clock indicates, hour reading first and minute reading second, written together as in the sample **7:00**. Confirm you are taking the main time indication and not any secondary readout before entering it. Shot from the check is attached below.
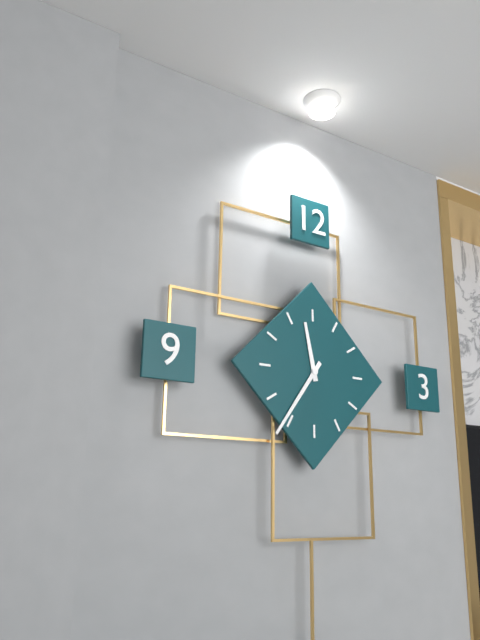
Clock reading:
**11:36**
